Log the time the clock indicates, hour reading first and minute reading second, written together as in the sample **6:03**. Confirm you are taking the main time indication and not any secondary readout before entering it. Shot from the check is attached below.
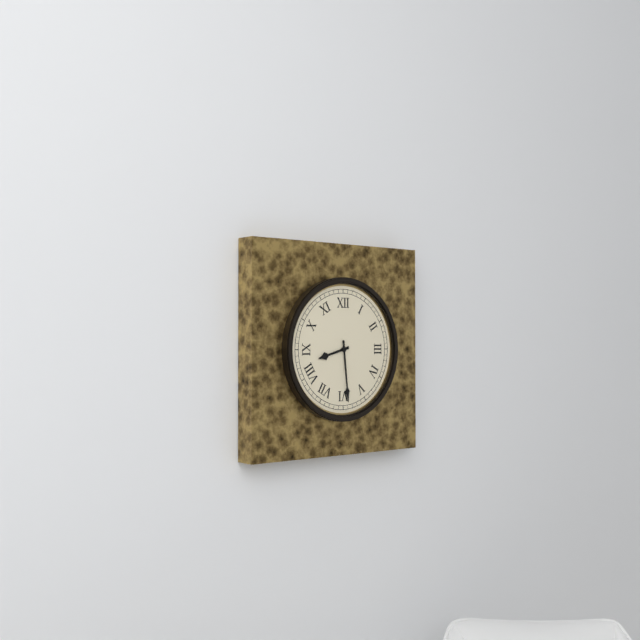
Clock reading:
**8:29**
